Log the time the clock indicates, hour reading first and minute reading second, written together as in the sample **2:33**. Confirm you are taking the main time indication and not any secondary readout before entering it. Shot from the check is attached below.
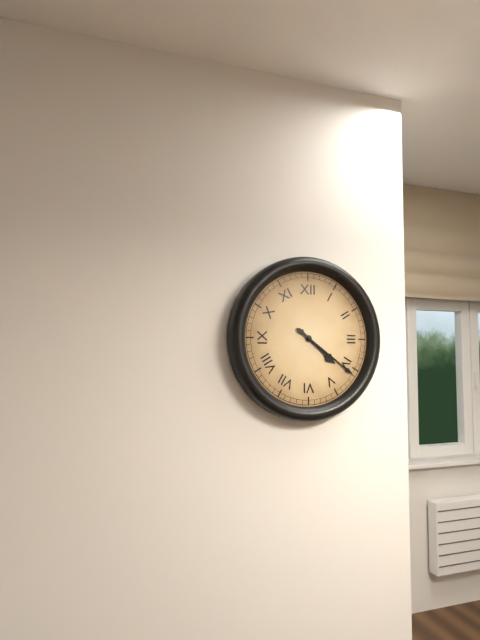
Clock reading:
**4:21**
